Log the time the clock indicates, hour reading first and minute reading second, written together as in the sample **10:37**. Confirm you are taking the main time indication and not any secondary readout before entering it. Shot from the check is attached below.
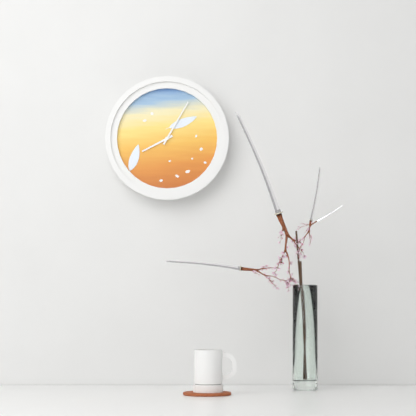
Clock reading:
**8:05**
